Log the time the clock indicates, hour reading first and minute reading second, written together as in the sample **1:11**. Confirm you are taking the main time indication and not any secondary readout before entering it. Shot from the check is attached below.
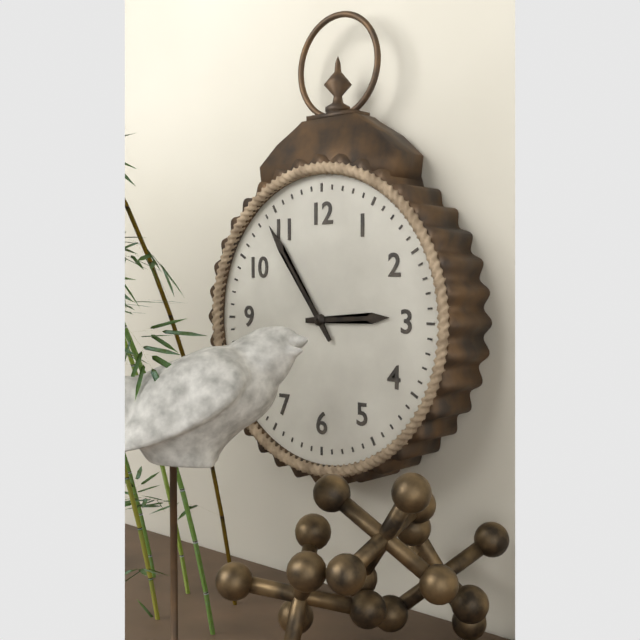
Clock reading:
**2:54**
